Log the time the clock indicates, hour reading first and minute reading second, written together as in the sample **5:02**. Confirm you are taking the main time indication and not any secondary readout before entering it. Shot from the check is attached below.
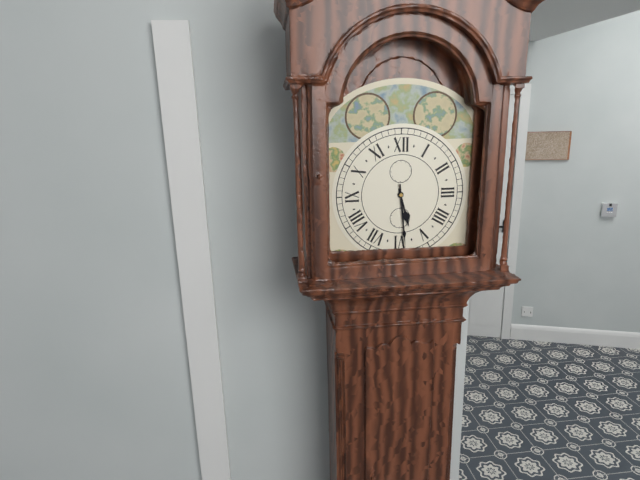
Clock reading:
**5:29**
